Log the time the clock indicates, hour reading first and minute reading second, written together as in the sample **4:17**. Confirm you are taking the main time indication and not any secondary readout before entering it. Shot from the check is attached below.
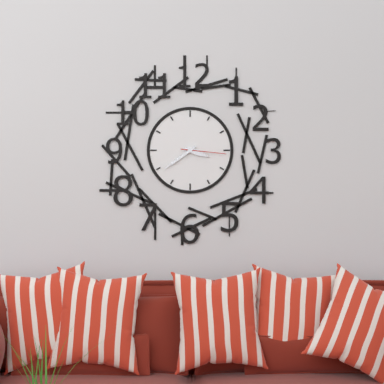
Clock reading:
**3:39**
